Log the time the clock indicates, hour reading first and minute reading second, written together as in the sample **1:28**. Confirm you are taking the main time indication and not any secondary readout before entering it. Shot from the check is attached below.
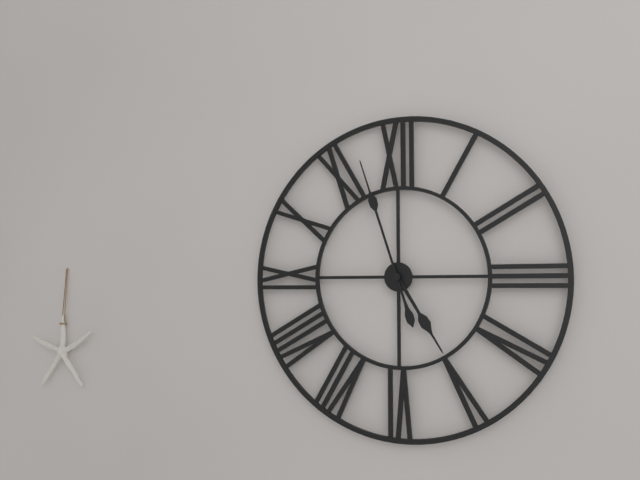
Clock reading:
**4:57**
